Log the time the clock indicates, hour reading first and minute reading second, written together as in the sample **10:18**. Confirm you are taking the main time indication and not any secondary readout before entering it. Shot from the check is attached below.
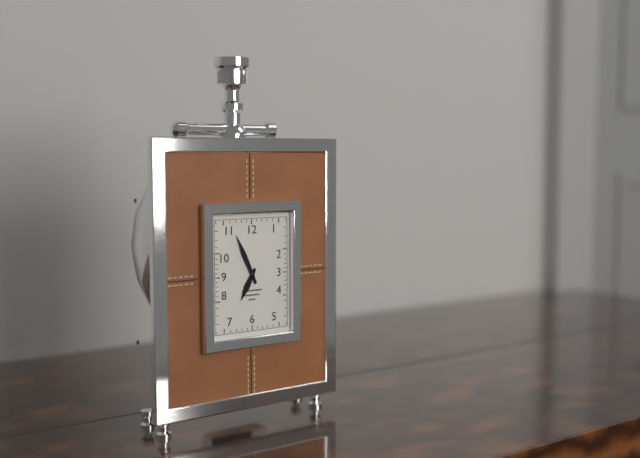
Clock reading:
**6:56**
